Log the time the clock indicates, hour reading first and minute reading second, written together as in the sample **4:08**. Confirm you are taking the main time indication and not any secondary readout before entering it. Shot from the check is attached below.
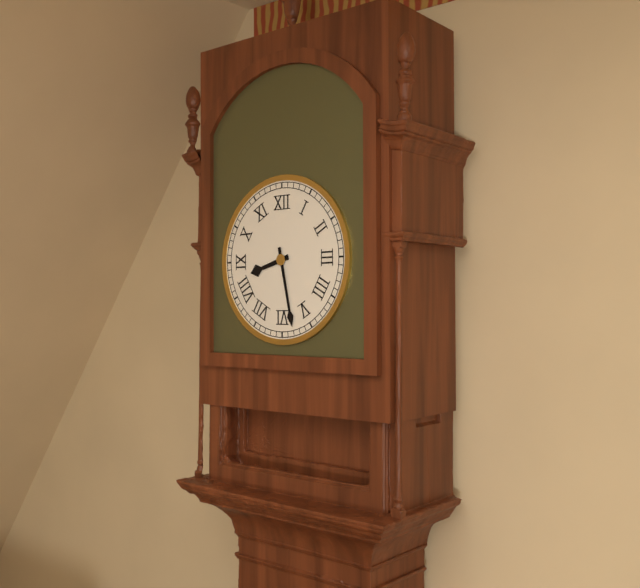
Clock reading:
**8:28**
